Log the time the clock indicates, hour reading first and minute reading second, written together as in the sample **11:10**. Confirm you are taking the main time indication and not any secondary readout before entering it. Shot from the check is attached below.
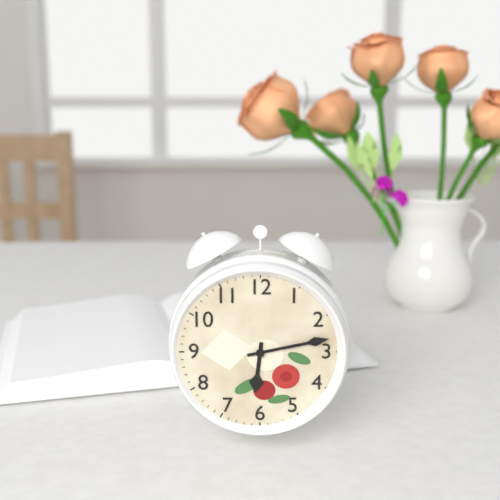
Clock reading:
**6:13**
